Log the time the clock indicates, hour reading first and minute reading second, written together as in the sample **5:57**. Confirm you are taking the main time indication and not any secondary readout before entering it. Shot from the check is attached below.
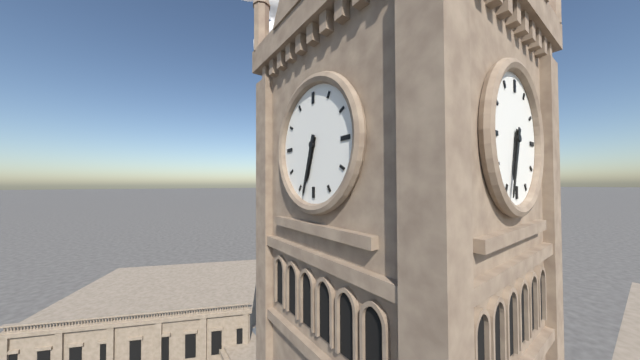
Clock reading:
**6:33**
